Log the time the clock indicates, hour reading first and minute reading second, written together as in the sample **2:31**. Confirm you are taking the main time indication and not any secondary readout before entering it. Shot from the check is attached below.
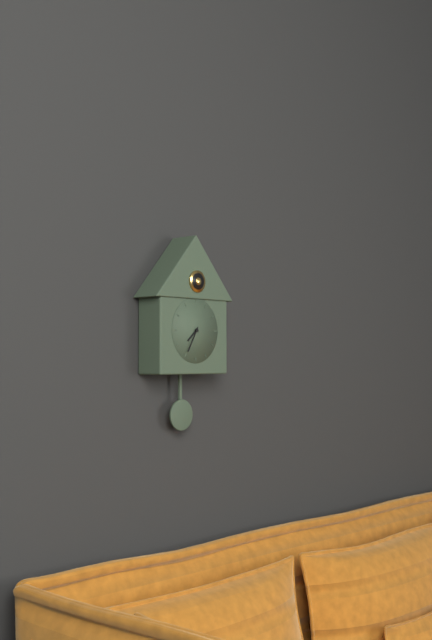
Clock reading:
**7:35**
